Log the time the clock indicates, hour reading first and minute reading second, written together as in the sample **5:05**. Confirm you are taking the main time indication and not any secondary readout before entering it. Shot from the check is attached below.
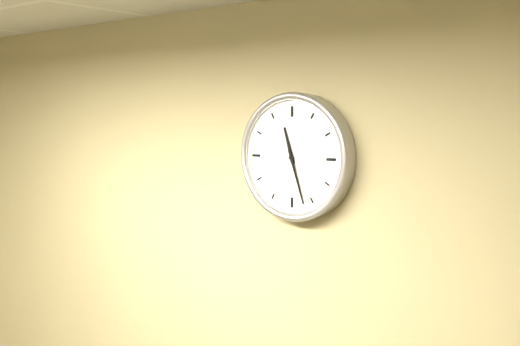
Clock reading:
**11:27**
